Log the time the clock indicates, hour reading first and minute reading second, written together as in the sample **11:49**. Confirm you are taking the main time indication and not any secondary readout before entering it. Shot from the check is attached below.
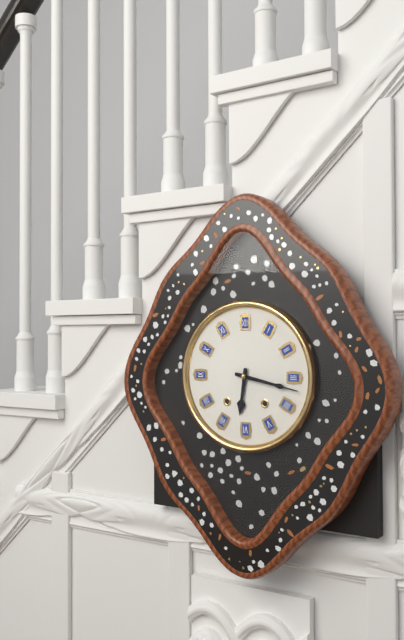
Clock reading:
**6:17**
